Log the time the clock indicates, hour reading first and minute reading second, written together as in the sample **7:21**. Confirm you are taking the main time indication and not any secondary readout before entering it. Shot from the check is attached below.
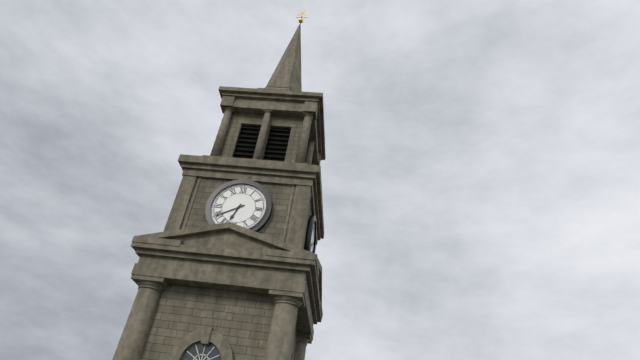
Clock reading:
**6:40**
